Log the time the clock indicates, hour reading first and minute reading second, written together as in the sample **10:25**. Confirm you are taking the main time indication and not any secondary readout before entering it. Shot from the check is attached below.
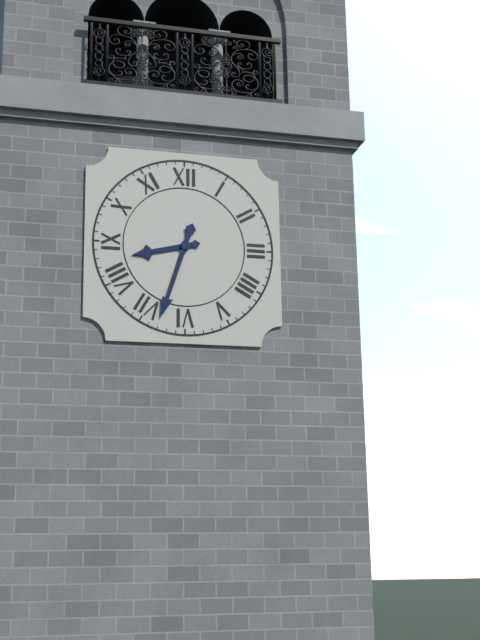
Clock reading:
**8:33**
